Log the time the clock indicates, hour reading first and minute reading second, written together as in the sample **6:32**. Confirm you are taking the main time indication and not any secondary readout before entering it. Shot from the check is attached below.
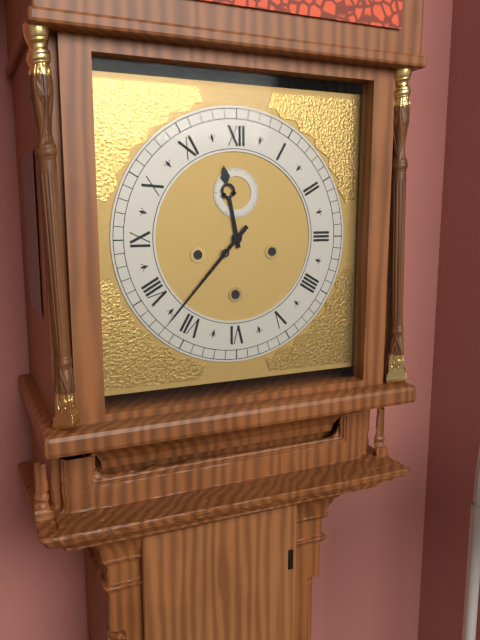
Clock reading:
**11:37**
